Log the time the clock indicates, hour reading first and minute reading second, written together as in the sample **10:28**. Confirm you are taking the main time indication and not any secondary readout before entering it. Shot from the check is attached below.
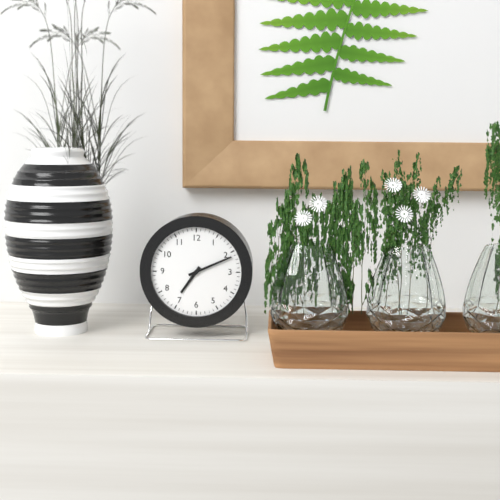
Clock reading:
**7:11**
